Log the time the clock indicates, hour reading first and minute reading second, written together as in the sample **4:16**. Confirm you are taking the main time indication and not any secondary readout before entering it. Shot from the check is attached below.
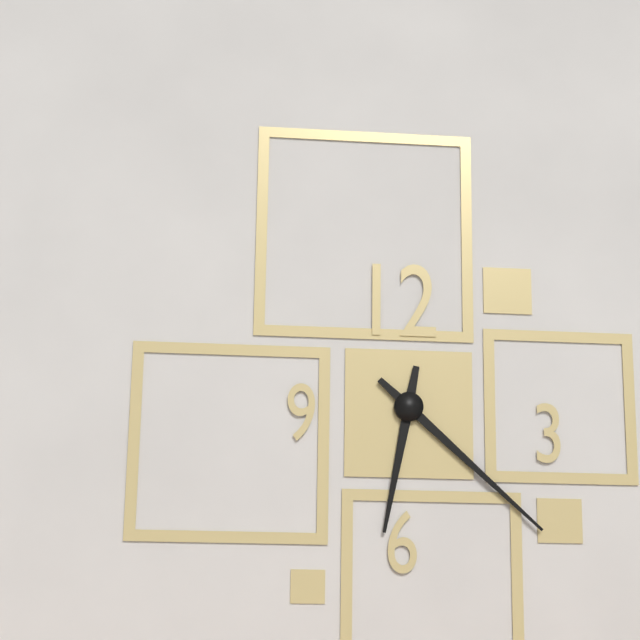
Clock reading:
**6:22**
